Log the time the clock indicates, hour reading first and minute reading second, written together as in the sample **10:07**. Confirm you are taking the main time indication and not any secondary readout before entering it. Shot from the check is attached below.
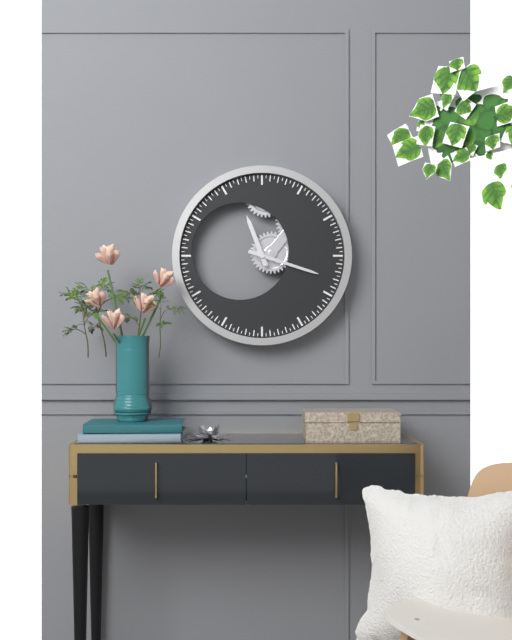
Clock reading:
**11:18**
